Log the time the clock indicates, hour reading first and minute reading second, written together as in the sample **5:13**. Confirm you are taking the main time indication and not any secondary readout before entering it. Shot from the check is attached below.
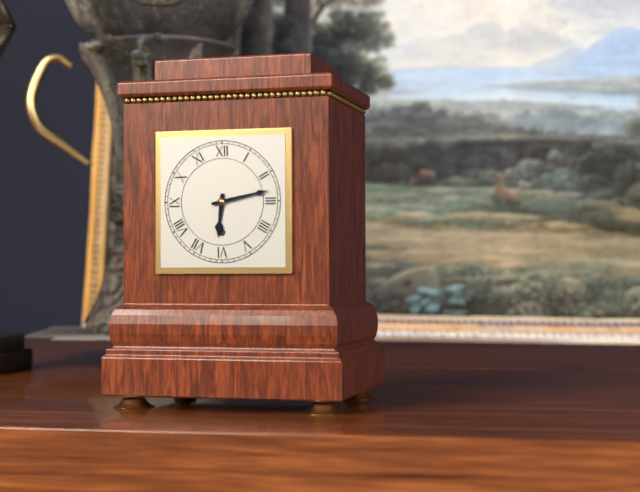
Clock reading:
**6:13**
